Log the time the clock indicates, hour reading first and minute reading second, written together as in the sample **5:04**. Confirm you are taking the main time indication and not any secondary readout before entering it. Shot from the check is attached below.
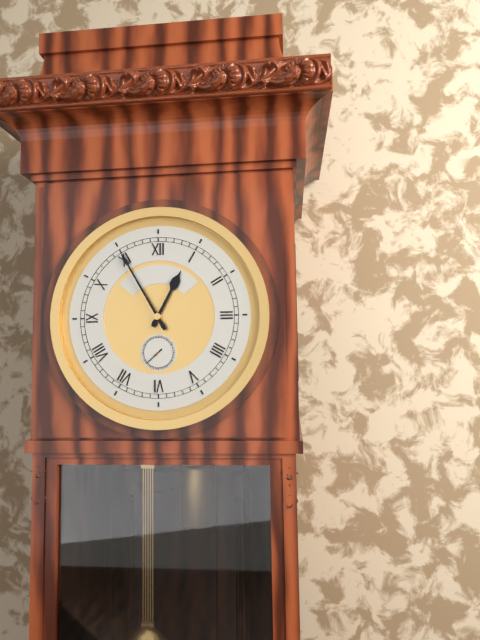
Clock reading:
**12:55**
